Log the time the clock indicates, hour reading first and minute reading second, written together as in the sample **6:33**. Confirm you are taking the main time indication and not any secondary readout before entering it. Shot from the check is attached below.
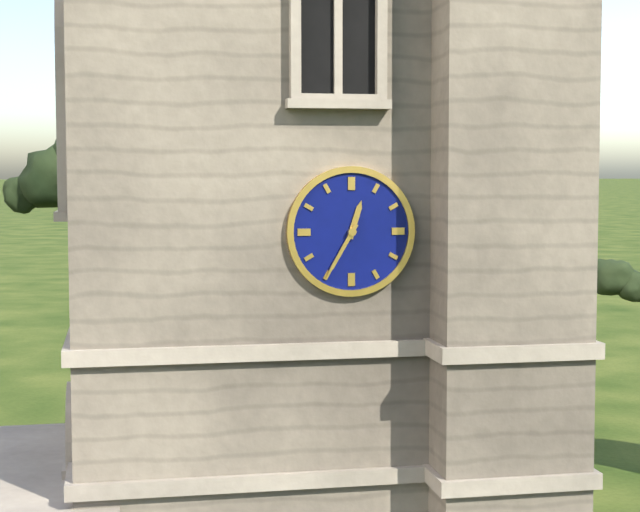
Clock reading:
**12:35**
